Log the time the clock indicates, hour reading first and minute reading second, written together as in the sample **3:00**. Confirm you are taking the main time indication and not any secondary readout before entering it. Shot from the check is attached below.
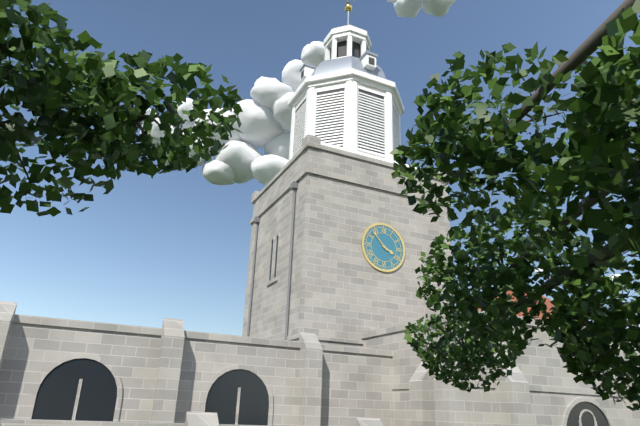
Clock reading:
**3:53**
